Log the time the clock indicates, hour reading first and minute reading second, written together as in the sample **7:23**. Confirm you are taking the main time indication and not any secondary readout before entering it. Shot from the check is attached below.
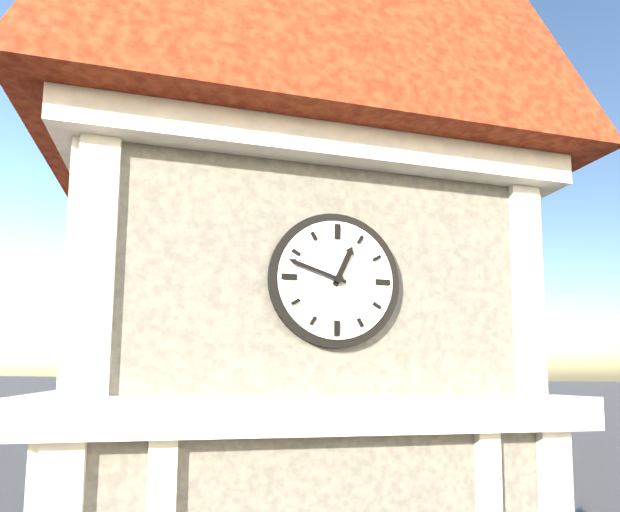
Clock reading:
**12:48**
